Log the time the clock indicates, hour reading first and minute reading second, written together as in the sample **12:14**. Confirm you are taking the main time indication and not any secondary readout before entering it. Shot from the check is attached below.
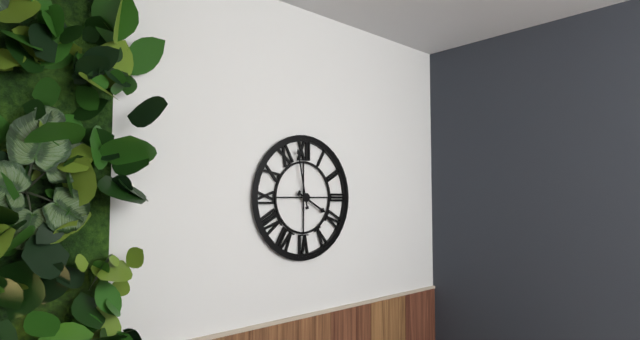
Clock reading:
**3:58**
